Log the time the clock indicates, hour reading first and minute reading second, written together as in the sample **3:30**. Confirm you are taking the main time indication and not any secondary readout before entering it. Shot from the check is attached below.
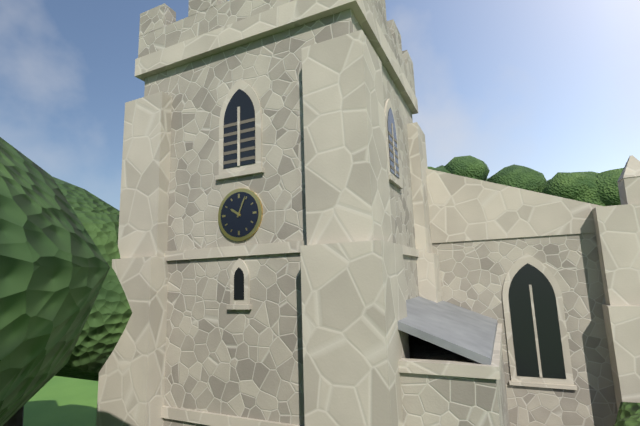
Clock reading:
**10:04**
